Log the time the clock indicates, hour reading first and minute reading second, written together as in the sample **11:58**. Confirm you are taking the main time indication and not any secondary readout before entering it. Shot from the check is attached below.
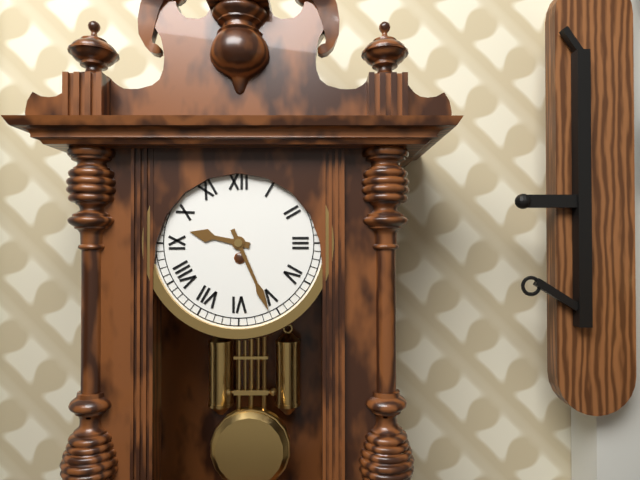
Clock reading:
**9:26**
